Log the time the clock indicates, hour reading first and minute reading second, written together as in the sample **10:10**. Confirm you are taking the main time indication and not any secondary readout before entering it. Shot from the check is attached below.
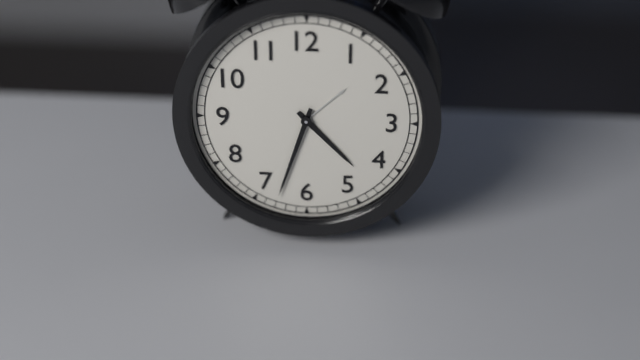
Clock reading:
**4:33**
